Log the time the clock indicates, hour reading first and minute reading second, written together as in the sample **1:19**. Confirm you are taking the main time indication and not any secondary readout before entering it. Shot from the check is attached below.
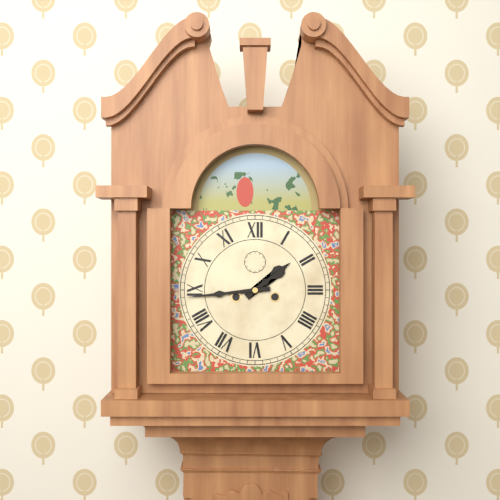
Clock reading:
**1:44**
